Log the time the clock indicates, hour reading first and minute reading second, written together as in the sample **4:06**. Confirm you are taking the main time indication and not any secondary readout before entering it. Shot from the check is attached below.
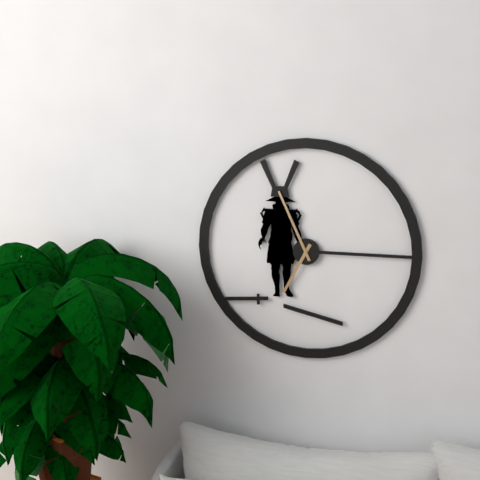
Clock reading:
**6:56**
